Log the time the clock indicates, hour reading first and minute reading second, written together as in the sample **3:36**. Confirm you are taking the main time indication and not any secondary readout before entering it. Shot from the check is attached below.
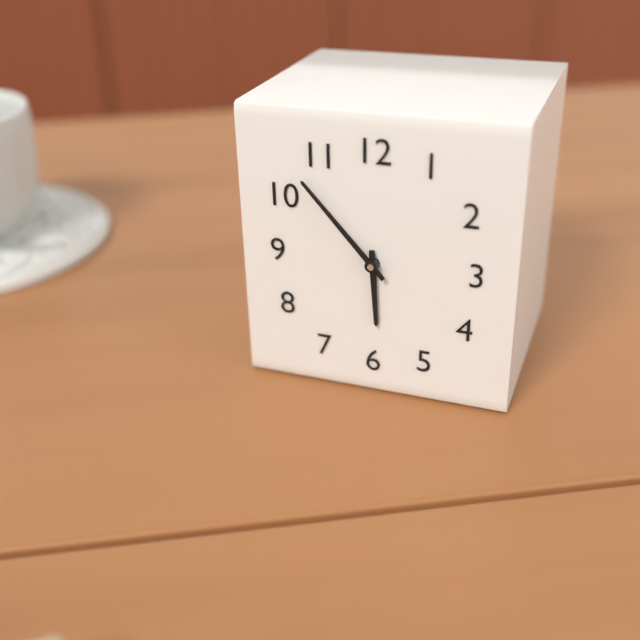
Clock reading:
**5:53**
